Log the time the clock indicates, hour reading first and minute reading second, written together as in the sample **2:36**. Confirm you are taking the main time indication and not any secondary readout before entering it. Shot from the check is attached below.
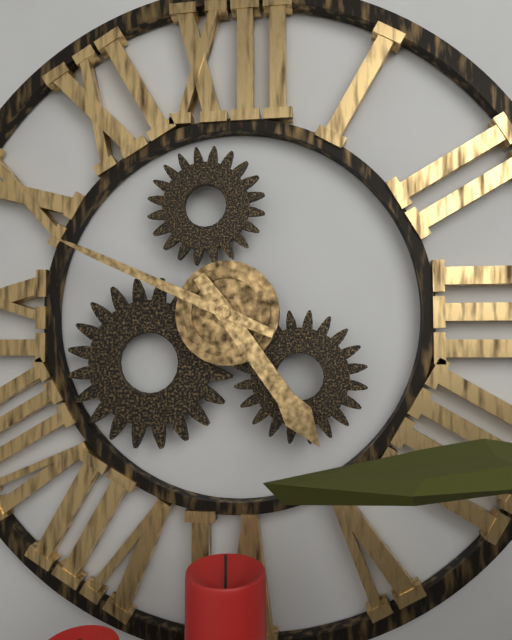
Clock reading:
**4:49**
